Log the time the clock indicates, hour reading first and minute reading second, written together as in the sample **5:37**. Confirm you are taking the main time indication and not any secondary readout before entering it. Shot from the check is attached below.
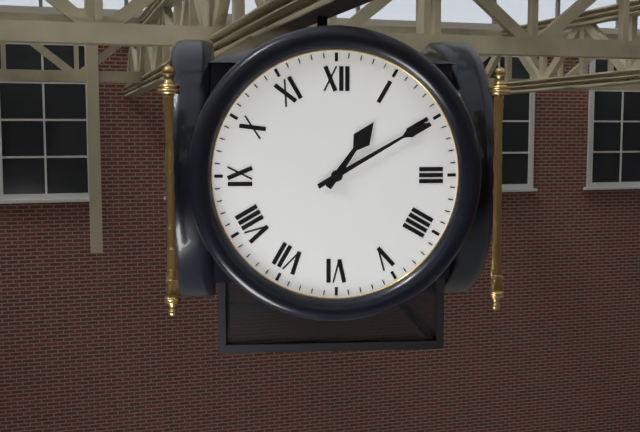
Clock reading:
**1:10**
